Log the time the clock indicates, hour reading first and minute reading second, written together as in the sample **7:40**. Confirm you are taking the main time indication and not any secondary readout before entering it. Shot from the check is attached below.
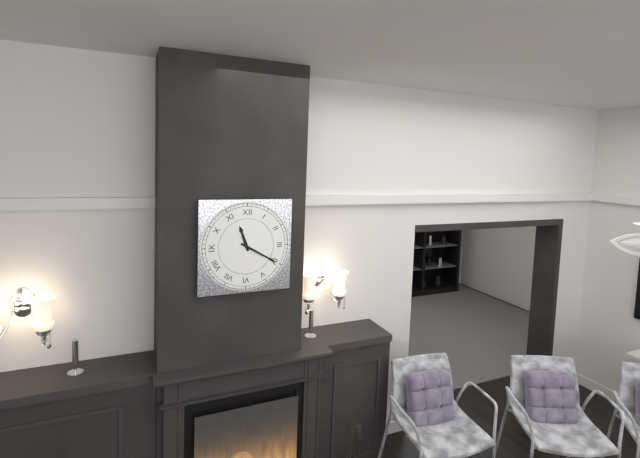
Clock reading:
**11:20**
